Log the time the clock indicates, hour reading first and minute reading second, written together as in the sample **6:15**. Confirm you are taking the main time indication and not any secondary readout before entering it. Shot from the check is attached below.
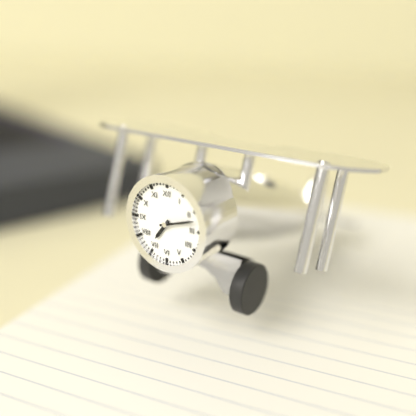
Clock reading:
**7:12**
